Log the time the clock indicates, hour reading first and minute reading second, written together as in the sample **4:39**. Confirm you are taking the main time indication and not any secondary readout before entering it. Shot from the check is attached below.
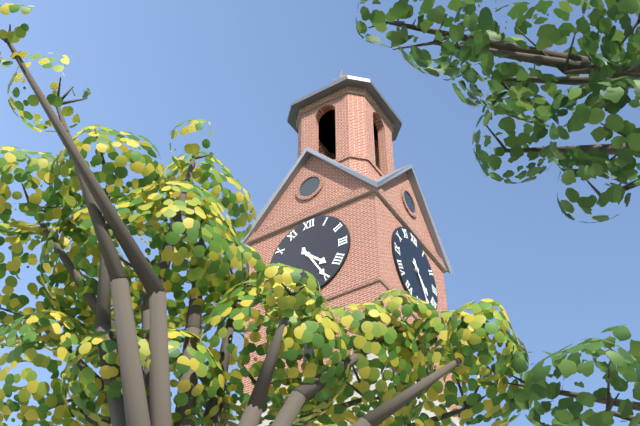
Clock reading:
**4:25**
